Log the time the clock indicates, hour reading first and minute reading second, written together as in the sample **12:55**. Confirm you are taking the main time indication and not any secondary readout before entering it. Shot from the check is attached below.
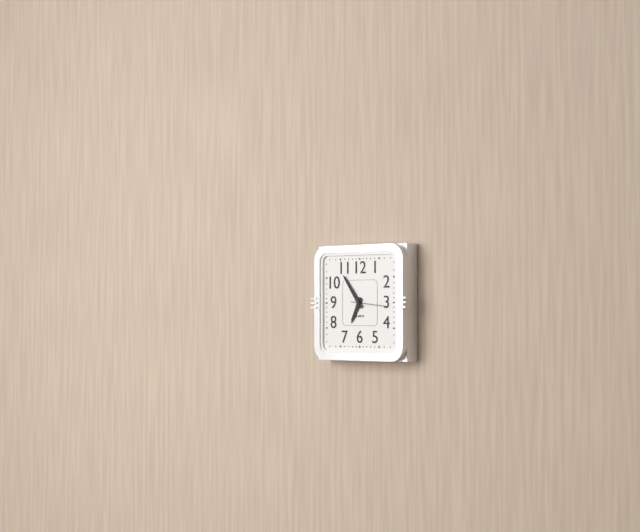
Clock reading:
**6:54**
